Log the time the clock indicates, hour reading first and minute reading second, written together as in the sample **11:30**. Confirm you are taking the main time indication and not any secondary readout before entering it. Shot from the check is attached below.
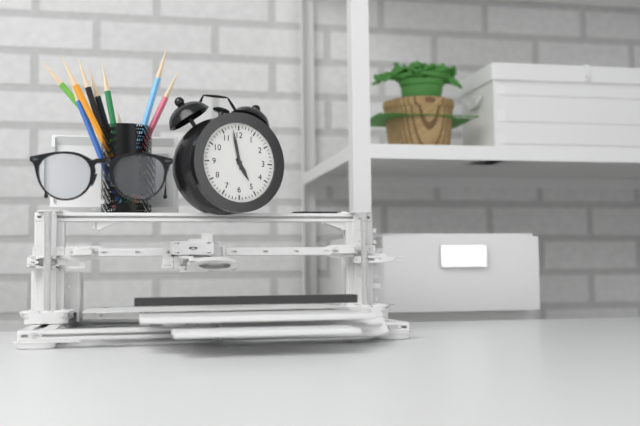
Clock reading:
**4:58**
